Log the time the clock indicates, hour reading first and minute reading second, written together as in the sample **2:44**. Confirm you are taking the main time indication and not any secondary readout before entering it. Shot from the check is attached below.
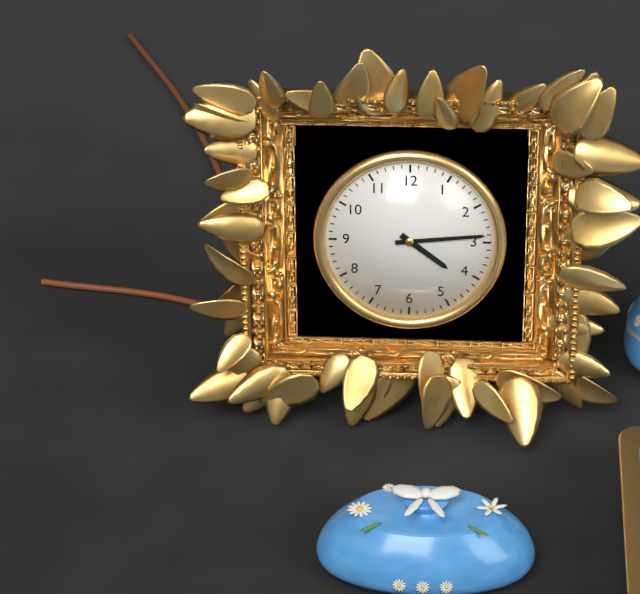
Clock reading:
**4:14**
